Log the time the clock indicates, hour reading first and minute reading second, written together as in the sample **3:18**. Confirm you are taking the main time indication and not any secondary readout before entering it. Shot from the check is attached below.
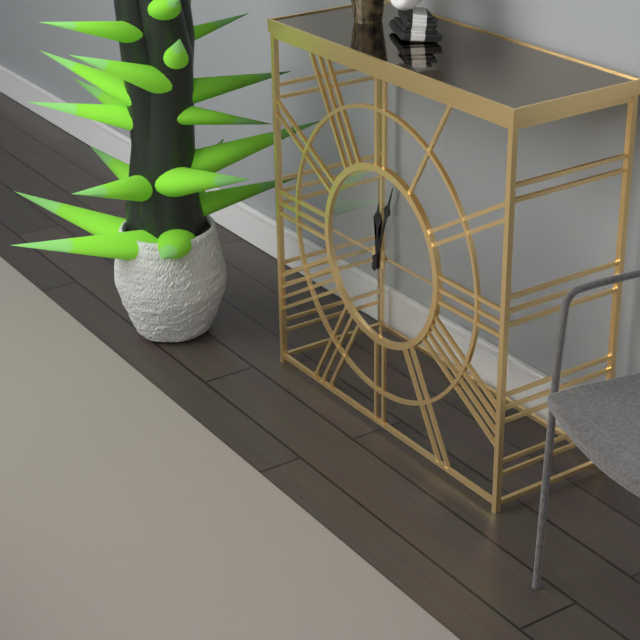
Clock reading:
**12:03**
